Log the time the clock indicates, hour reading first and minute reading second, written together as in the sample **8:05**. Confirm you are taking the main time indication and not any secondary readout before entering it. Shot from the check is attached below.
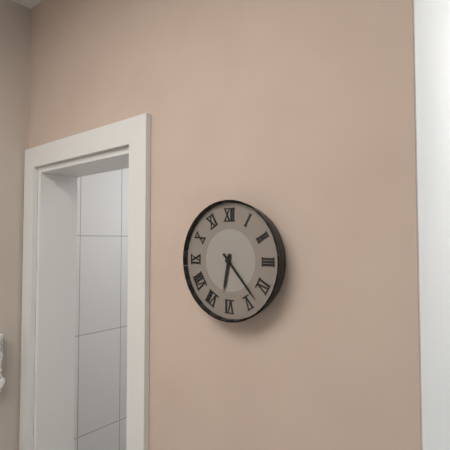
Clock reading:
**6:23**
